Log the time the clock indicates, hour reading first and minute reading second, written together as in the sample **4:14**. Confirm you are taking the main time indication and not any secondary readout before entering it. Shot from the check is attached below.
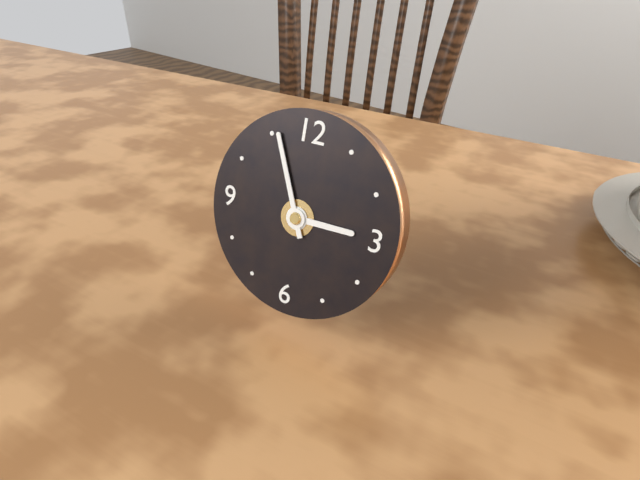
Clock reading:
**2:56**
